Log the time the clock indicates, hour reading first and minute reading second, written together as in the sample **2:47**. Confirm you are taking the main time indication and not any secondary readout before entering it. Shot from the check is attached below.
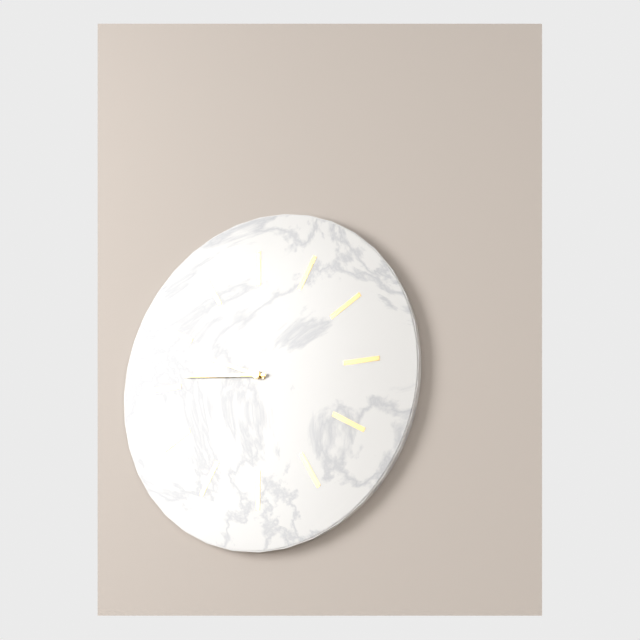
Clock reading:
**9:46**
